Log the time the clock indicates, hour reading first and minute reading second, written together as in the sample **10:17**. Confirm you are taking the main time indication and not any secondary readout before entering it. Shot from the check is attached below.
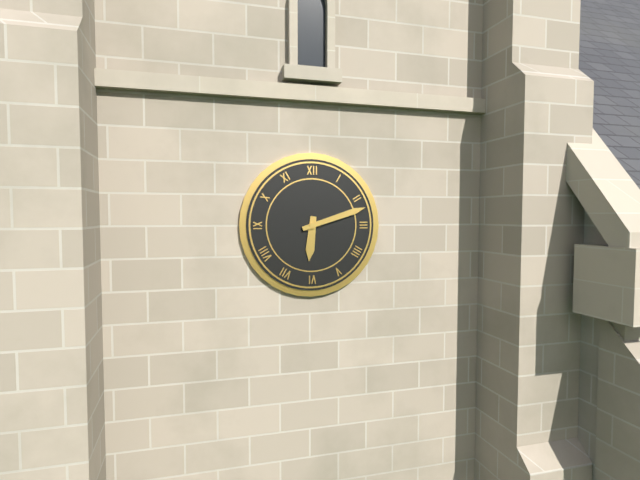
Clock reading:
**6:12**
